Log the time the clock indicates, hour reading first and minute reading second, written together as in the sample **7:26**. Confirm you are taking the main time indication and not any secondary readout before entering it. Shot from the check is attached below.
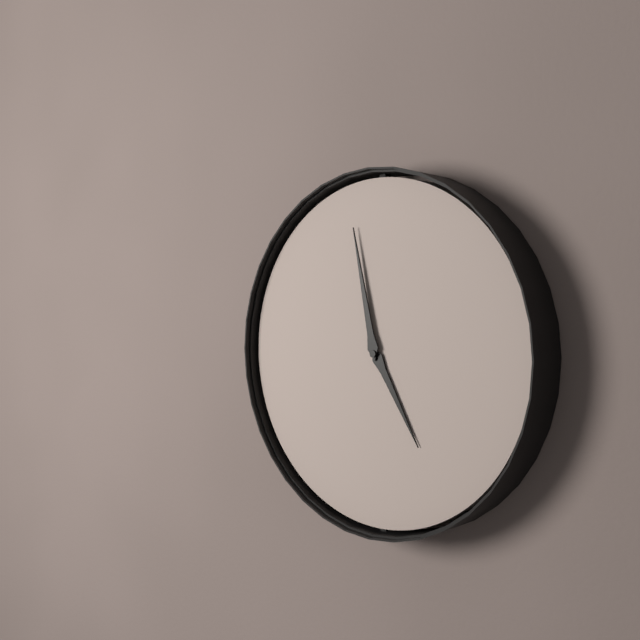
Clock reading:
**4:58**
